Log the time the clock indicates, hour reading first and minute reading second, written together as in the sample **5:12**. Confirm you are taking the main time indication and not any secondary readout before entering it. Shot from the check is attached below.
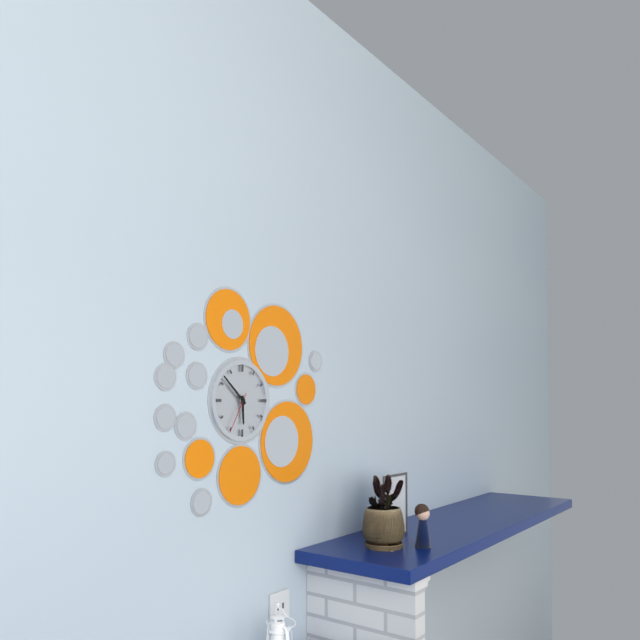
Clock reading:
**5:52**
